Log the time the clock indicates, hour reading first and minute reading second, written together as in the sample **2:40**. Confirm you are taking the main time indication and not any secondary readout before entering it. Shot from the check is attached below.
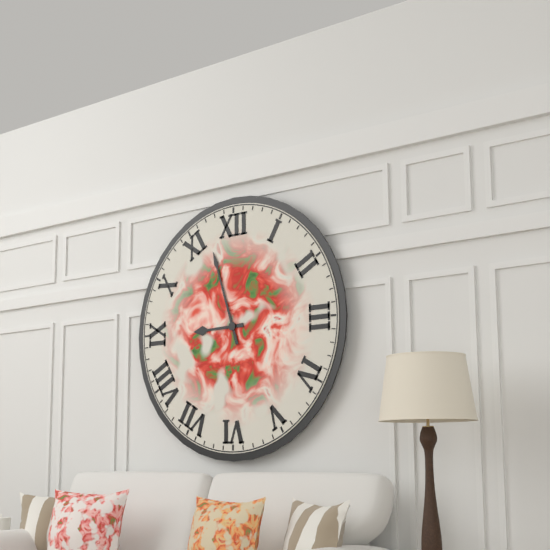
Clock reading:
**8:57**
